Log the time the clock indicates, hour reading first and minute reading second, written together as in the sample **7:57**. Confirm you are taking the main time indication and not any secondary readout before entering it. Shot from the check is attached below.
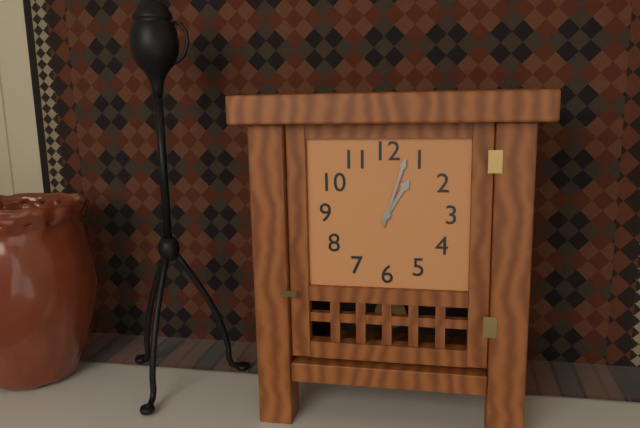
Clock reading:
**1:03**
